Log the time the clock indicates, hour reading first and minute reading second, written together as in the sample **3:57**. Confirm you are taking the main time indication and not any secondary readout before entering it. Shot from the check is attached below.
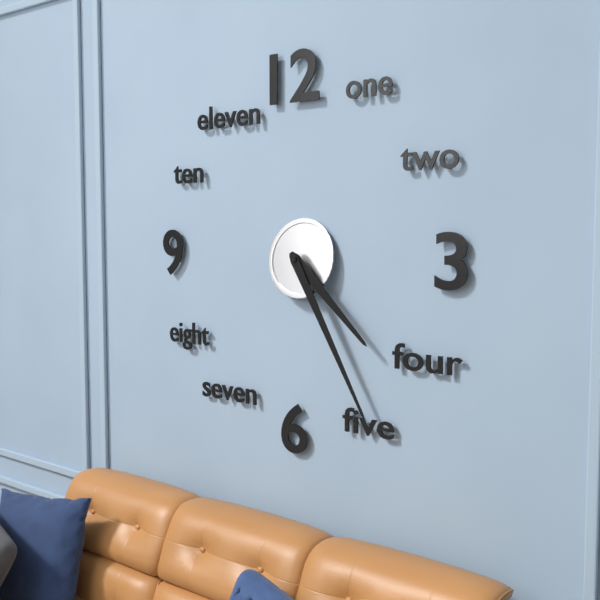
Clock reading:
**4:25**
